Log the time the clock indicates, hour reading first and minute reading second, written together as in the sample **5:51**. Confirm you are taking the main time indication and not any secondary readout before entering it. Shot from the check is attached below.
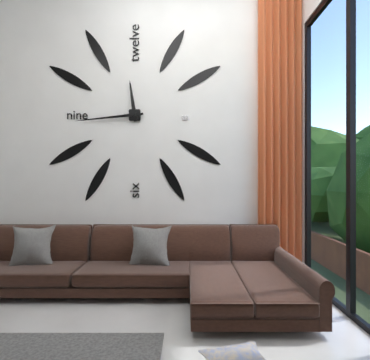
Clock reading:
**11:44**
